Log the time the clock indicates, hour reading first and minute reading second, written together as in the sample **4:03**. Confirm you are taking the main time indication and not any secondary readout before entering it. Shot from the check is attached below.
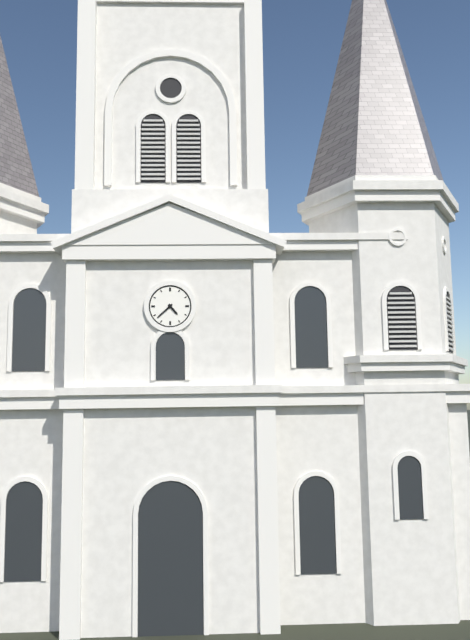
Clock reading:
**4:38**
